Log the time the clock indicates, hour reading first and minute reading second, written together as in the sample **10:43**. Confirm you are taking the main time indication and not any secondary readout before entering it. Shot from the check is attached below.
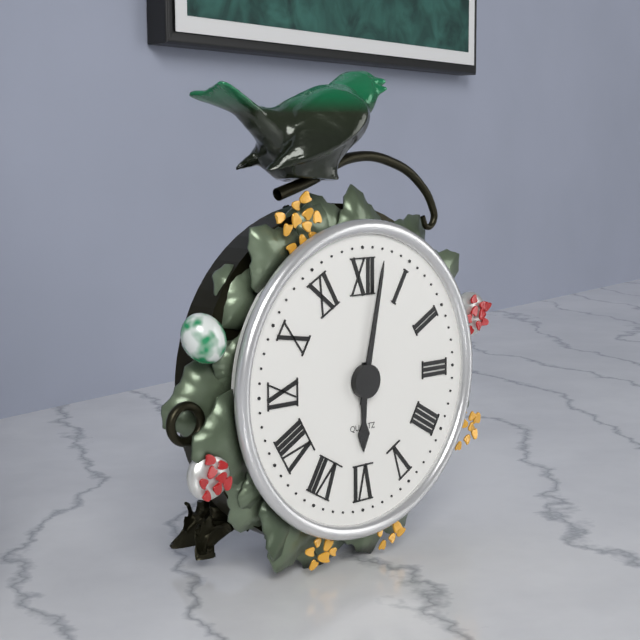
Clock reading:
**6:02**
